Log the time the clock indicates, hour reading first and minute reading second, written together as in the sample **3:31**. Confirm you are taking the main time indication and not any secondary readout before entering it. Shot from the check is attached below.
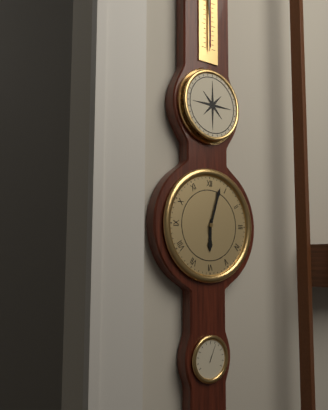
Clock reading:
**6:03**
